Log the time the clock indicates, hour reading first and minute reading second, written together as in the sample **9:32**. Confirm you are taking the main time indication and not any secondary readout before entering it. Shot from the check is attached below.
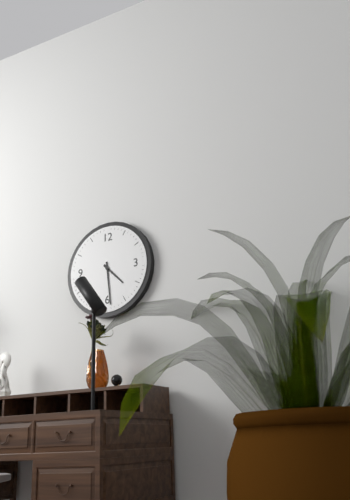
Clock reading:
**4:29**
